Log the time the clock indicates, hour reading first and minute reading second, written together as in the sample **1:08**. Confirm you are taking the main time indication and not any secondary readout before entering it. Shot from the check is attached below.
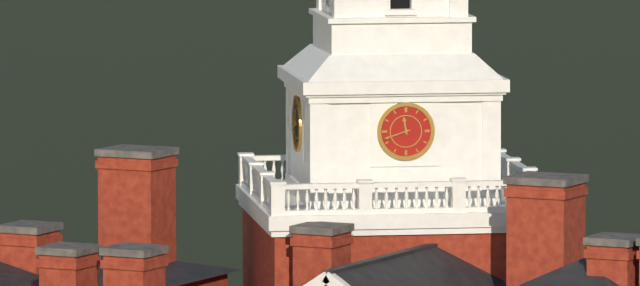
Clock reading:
**11:42**
